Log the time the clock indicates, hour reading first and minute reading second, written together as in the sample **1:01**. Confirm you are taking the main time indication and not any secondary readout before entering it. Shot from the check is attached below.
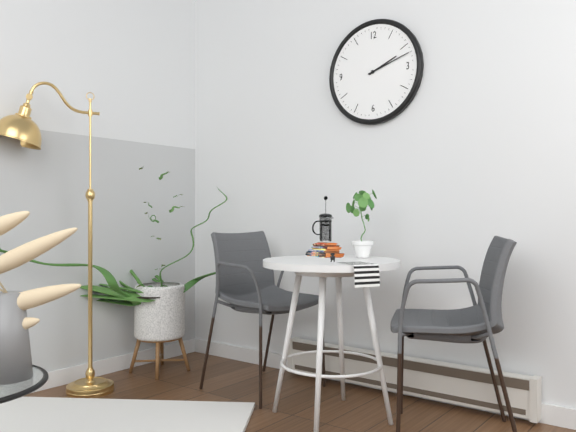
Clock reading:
**2:12**
